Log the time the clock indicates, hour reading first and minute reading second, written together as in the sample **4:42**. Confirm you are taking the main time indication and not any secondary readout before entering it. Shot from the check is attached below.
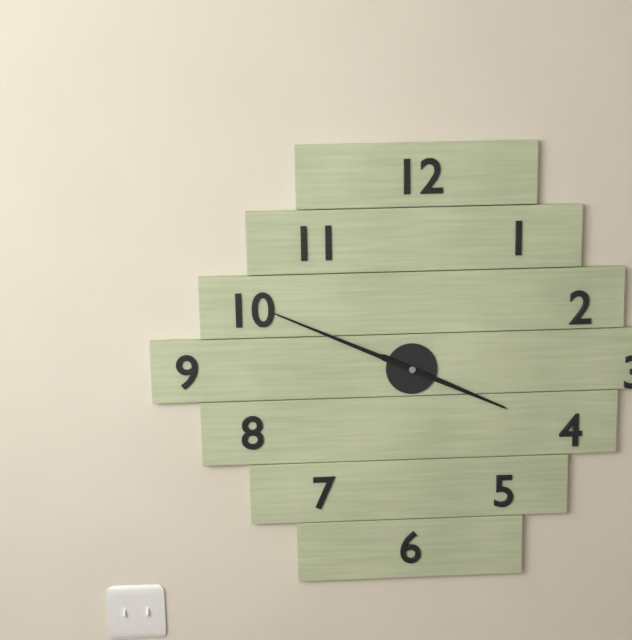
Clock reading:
**3:49**
